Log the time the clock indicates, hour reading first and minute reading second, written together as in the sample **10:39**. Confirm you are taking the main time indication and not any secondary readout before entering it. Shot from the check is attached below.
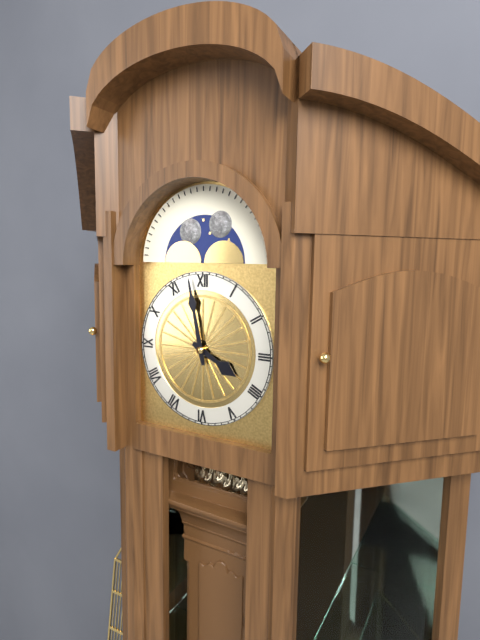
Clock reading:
**3:58**
